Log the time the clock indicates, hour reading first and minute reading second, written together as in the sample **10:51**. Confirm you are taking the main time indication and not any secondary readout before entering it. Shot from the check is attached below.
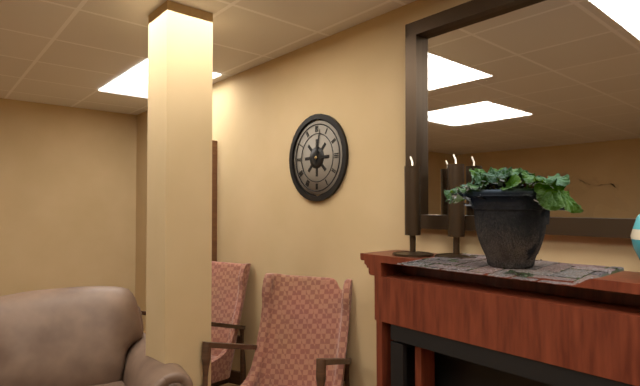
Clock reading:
**3:02**
